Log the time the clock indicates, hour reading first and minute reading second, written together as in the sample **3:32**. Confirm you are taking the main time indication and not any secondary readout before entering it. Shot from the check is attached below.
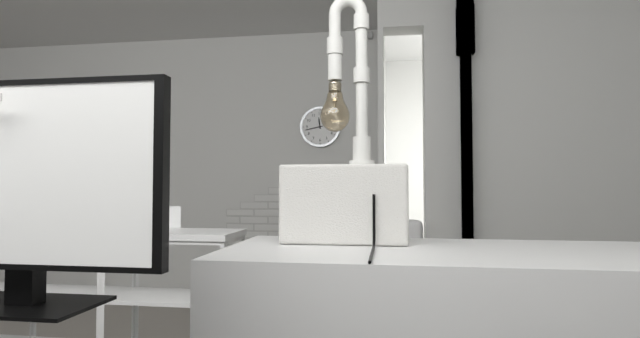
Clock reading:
**11:43**
